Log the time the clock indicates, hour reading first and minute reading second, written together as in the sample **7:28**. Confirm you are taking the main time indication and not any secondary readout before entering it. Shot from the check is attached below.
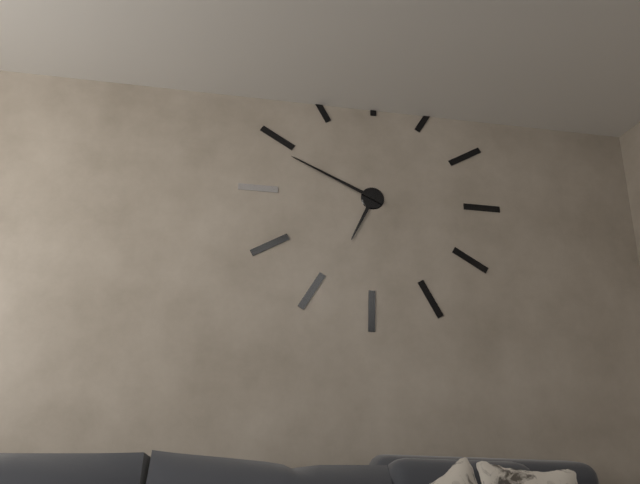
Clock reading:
**6:49**
